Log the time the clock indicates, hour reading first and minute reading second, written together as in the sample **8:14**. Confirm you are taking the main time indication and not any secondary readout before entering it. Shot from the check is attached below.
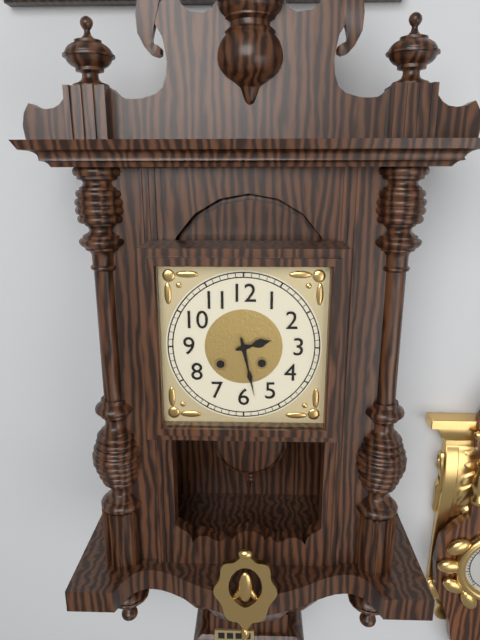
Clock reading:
**2:28**
